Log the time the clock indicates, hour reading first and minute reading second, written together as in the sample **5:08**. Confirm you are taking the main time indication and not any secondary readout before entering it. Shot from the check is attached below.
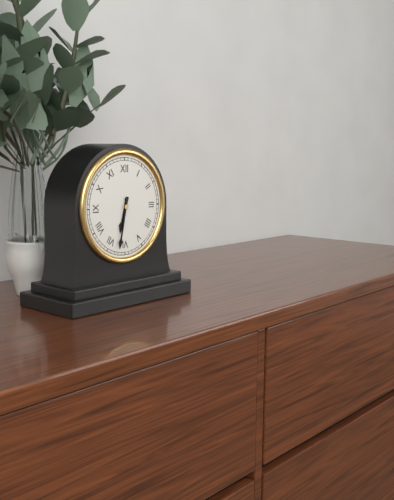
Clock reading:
**6:32**
